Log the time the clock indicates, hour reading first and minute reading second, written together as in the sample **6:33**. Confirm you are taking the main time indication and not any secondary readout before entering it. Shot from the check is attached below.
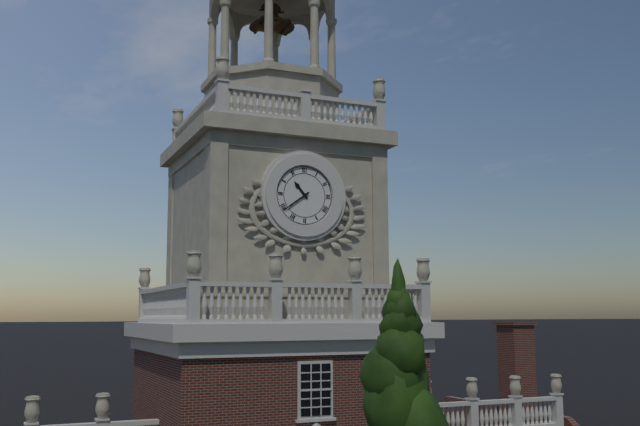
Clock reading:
**10:39**
